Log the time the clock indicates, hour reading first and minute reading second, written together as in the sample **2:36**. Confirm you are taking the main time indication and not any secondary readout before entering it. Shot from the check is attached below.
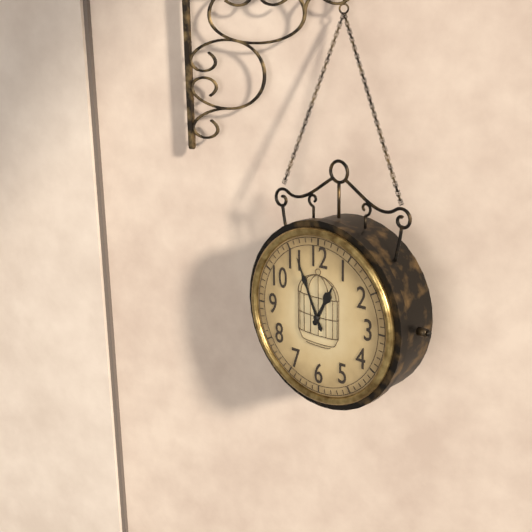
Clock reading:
**12:56**
